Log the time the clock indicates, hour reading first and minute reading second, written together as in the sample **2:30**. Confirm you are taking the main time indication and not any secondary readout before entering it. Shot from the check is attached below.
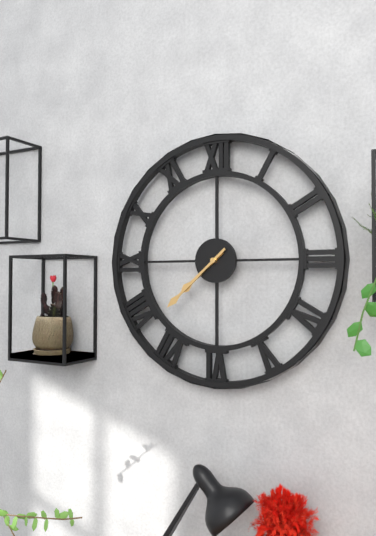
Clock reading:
**7:38**
